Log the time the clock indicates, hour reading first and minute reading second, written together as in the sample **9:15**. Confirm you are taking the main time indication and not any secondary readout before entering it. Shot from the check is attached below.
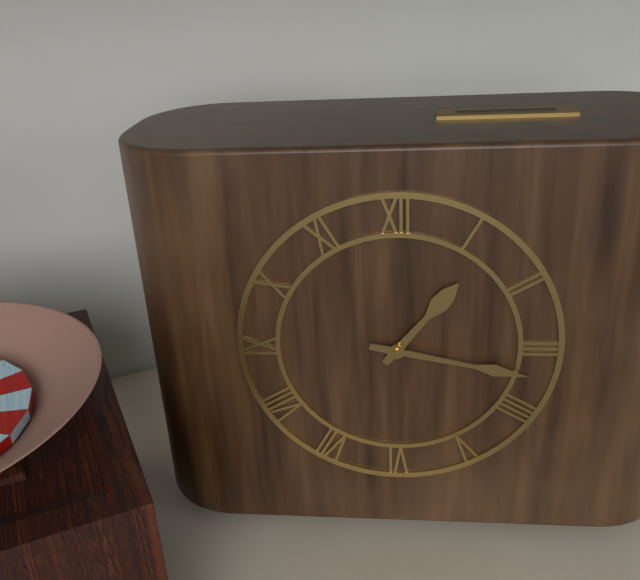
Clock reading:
**1:17**
